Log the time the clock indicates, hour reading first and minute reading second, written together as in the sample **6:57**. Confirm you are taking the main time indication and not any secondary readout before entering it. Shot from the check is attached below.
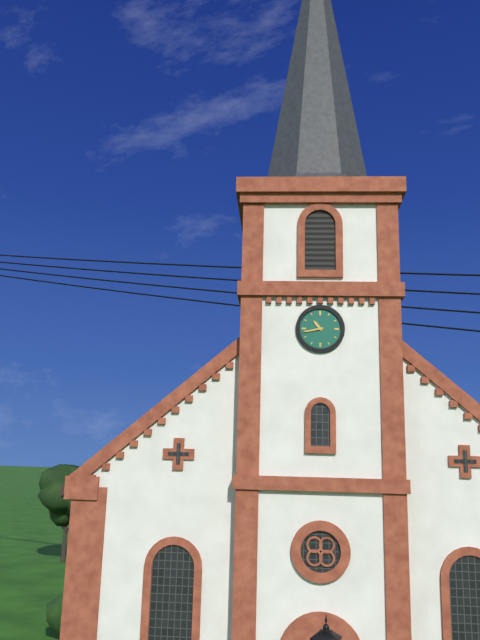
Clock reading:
**10:43**
